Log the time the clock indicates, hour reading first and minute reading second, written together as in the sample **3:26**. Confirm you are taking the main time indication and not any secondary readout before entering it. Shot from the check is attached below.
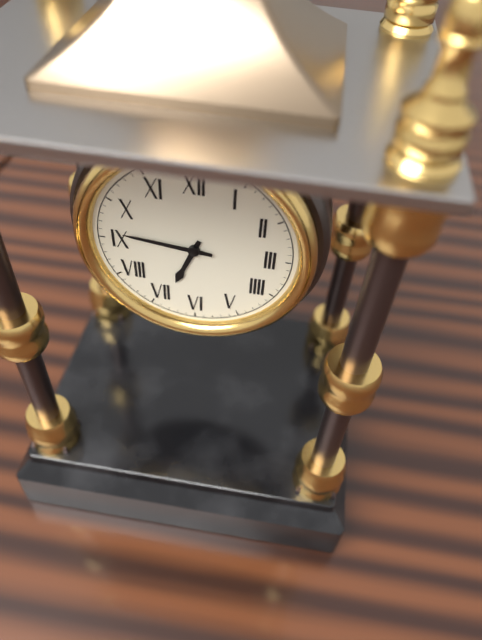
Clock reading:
**6:46**
